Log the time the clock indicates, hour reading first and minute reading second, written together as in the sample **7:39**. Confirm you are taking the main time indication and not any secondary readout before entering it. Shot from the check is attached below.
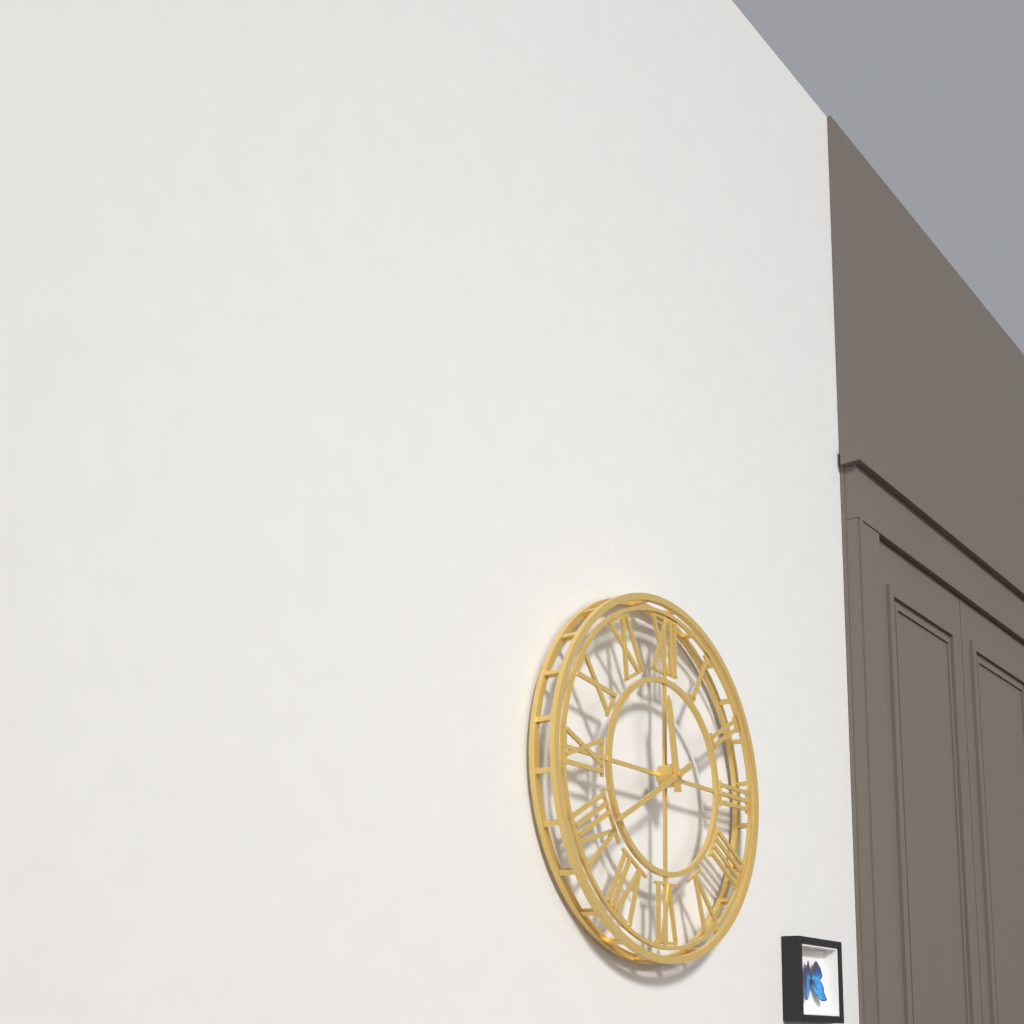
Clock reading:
**11:40**
